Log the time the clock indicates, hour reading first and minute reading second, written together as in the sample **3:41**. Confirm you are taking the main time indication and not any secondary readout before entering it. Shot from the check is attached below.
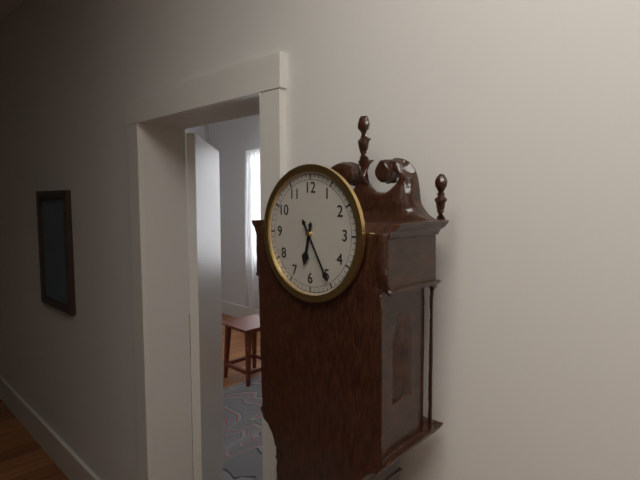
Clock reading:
**6:25**
